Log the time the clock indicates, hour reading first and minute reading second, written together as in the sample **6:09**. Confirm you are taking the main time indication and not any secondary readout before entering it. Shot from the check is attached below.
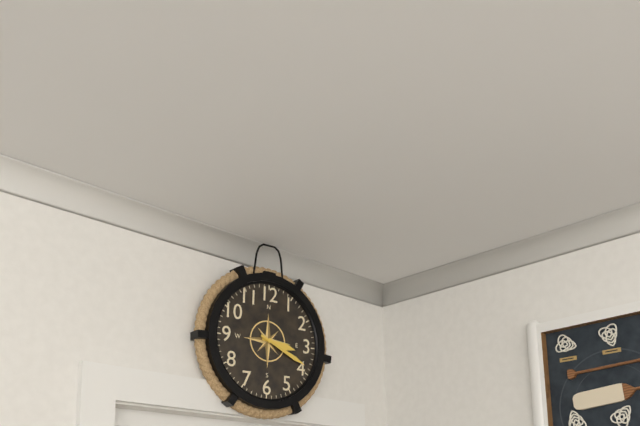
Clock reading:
**3:19**
